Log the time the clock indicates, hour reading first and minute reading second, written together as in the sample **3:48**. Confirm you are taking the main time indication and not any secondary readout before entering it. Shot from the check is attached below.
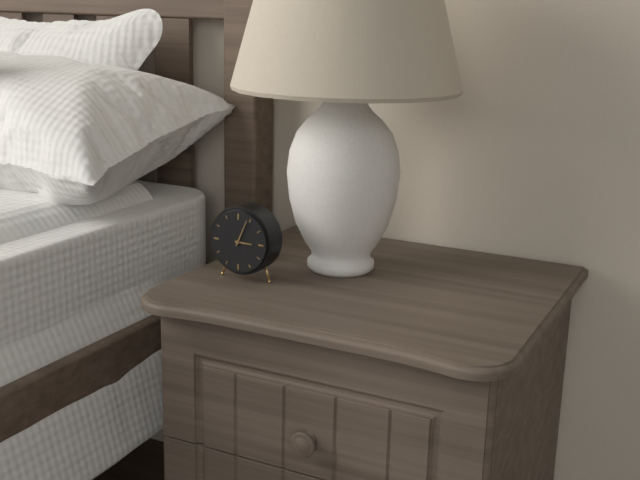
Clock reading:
**3:04**
